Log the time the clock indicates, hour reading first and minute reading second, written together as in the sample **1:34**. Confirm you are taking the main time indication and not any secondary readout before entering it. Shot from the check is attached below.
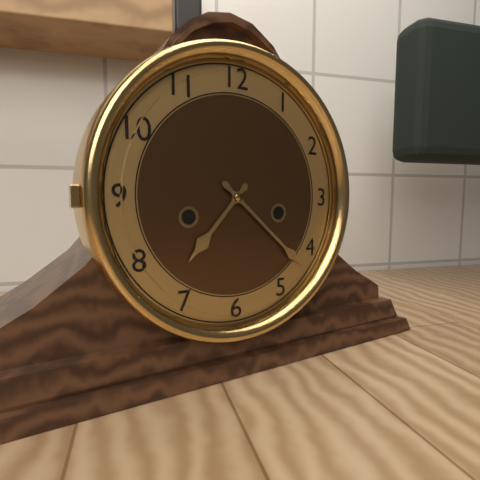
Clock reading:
**7:22**
